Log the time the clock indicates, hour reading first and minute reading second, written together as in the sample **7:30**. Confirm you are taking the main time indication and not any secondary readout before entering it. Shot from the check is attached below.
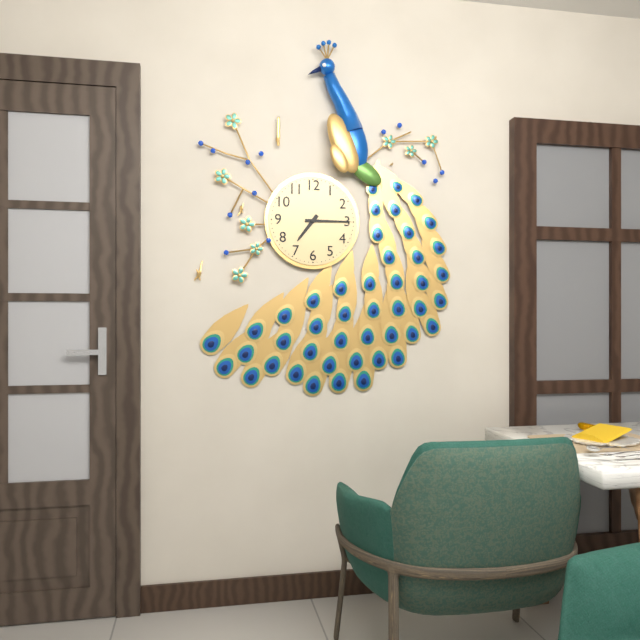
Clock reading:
**7:15**
